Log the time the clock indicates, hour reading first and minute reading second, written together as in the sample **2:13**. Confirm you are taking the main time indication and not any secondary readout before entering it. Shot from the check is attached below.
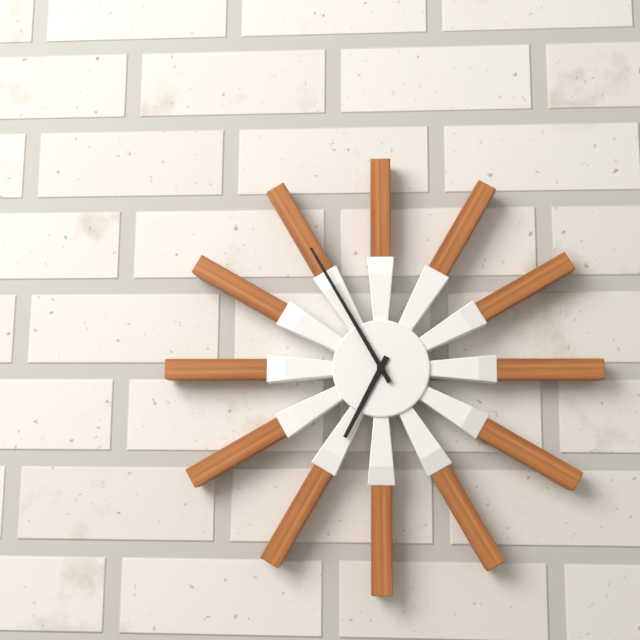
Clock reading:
**6:55**
